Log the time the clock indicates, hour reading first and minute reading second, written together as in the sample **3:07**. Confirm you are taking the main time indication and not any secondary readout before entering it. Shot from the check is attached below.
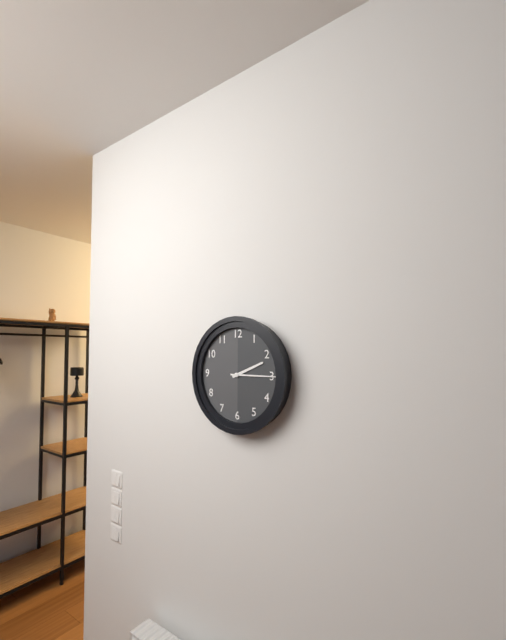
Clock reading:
**2:15**
